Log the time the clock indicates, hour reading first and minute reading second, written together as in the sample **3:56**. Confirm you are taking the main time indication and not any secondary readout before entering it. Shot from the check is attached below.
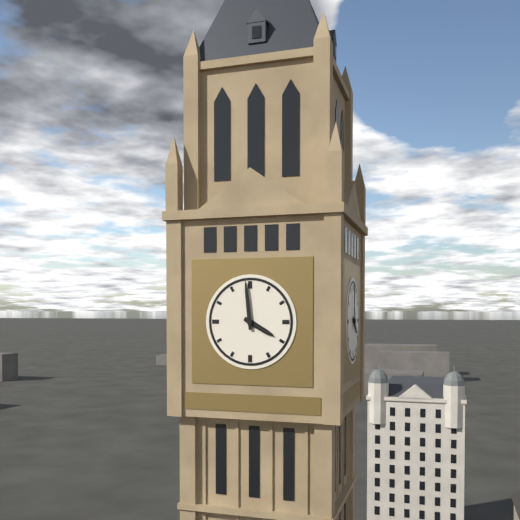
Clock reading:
**3:59**
